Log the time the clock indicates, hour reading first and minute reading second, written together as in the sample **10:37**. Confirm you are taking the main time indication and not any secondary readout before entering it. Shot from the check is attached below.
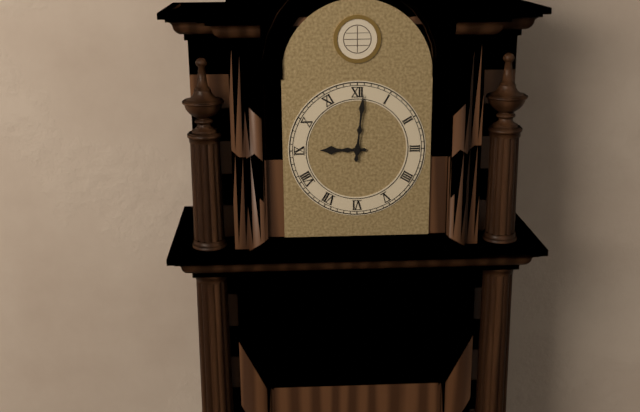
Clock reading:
**9:01**
